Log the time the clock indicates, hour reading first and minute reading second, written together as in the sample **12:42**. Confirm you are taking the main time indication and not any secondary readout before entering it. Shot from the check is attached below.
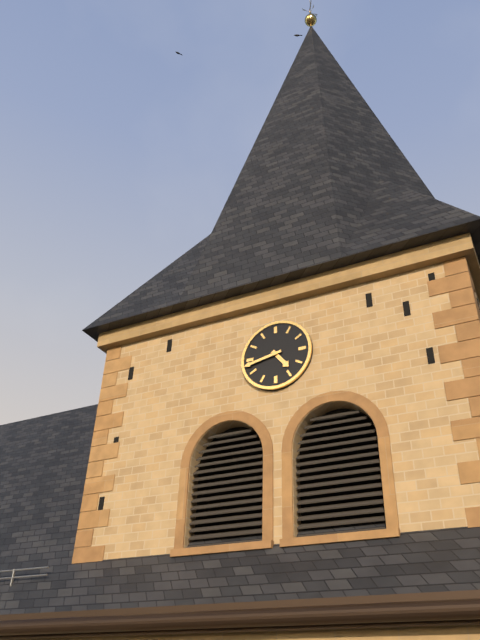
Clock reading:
**4:43**
